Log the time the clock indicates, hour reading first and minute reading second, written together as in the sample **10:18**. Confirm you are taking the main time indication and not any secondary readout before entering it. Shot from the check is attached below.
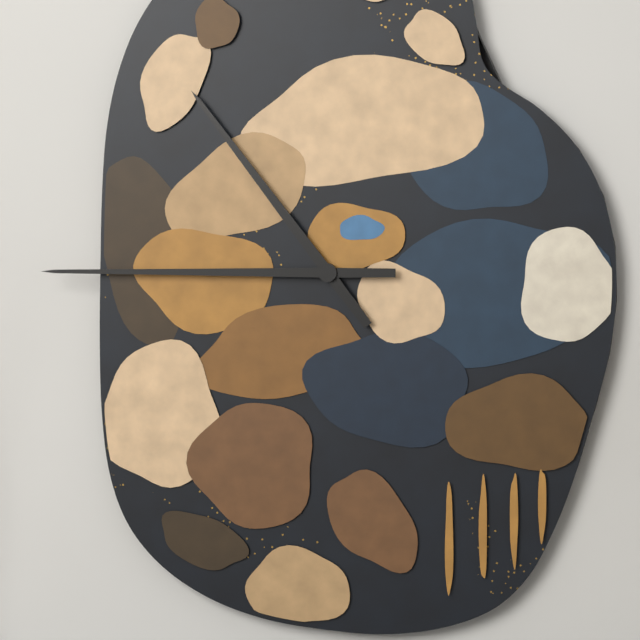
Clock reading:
**10:45**
